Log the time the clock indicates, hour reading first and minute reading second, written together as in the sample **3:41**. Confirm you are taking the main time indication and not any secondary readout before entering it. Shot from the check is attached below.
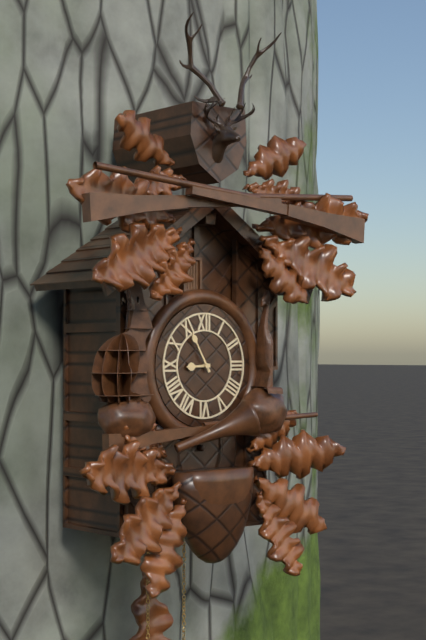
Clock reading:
**8:55**
